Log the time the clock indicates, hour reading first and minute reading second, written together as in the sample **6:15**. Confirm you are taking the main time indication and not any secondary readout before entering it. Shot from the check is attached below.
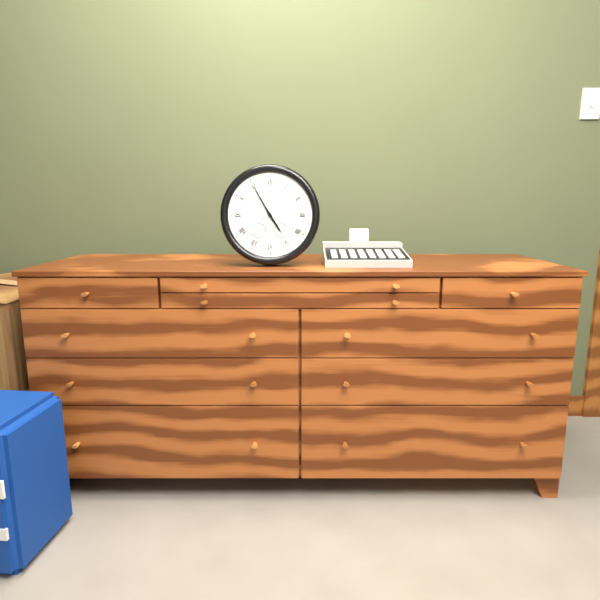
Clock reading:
**4:55**
